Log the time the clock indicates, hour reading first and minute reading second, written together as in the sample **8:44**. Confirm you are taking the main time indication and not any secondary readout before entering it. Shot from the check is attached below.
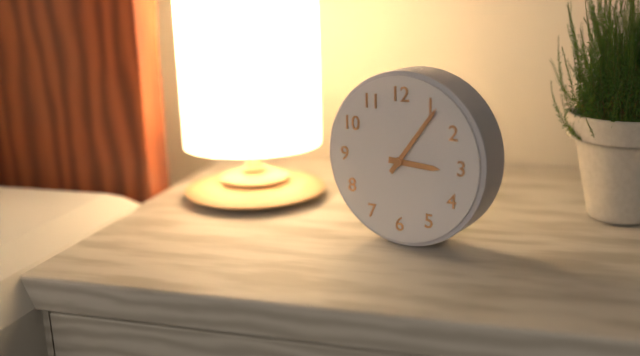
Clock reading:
**3:06**
